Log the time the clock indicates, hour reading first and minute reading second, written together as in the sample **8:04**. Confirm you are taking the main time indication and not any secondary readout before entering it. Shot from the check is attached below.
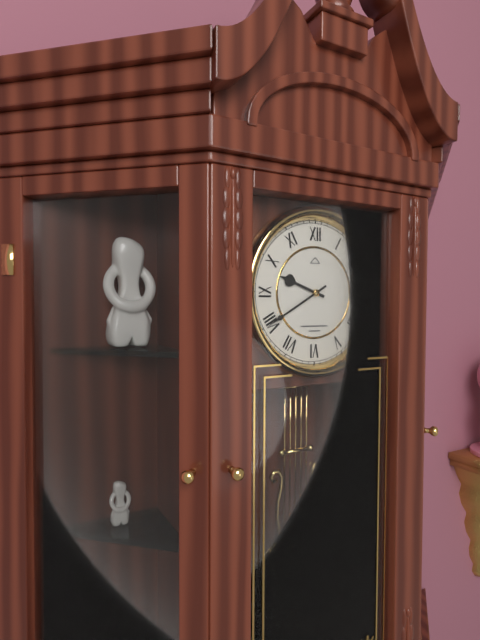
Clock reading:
**9:40**
